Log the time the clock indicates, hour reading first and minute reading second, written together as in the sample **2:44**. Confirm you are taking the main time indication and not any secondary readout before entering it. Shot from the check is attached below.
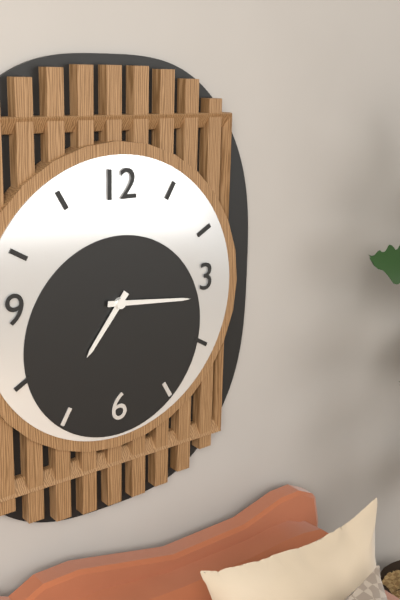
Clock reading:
**7:16**
